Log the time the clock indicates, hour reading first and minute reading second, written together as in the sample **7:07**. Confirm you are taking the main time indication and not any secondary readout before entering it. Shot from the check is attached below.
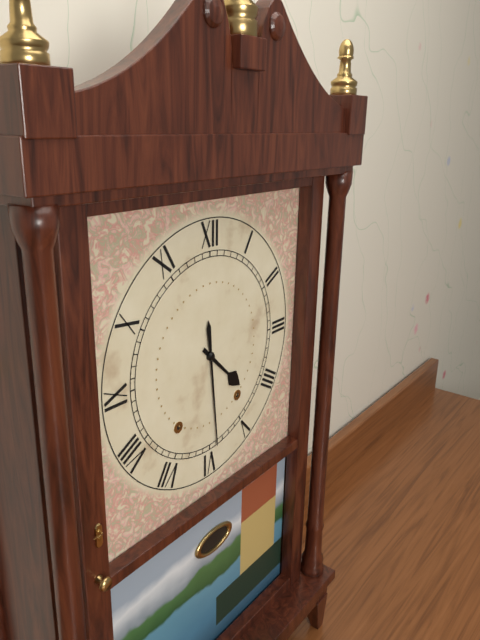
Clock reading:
**4:29**
